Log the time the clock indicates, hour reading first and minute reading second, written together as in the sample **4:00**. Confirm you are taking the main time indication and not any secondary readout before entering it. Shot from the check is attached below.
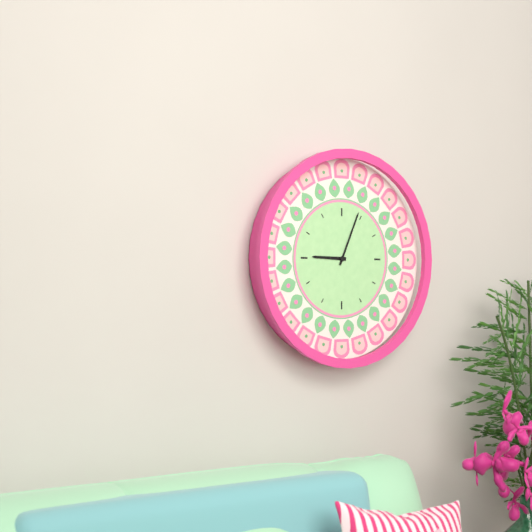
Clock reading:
**9:04**
